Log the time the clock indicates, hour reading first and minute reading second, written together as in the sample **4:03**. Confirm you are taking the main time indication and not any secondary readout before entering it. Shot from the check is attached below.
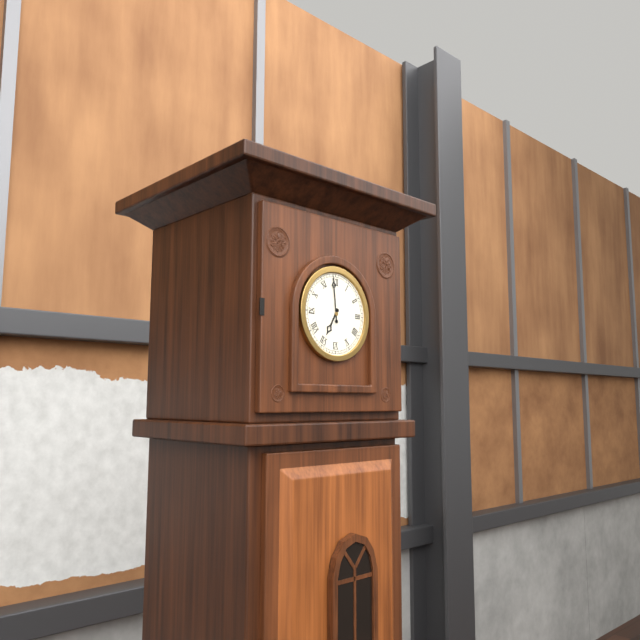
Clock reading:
**6:59**
